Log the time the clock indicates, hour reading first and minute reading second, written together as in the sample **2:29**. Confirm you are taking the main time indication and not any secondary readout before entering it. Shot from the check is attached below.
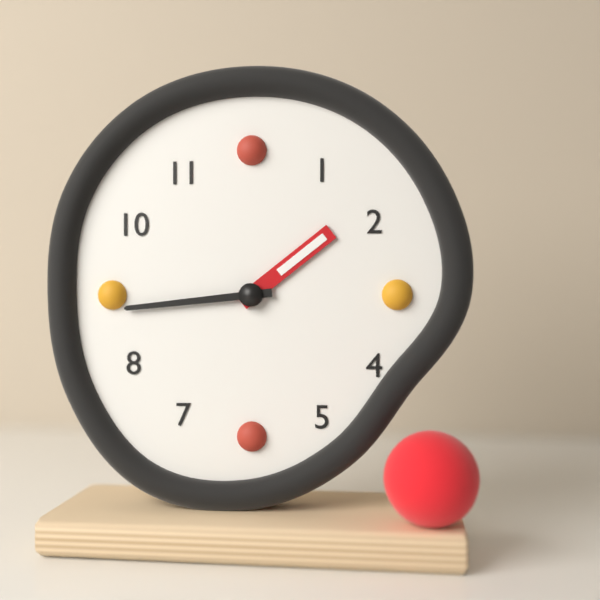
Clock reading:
**1:44**
